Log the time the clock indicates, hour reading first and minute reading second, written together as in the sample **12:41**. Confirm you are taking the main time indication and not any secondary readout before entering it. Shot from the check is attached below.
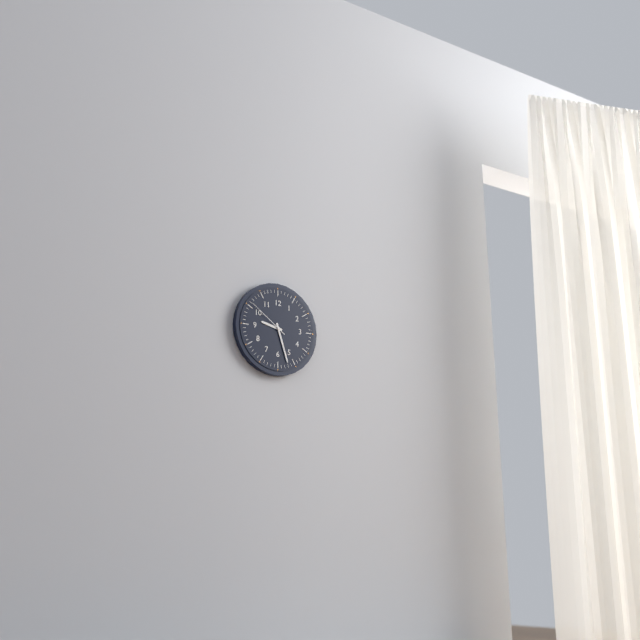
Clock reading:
**9:27**
